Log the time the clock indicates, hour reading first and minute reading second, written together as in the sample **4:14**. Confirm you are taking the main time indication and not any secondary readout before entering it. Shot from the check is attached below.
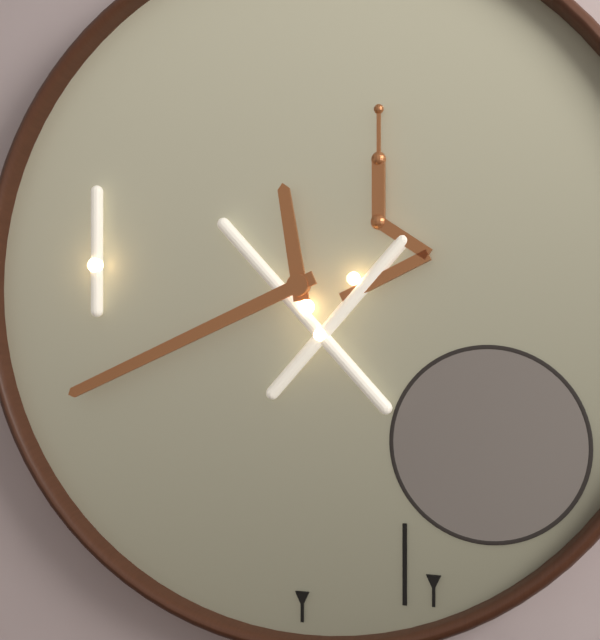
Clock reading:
**11:41**
